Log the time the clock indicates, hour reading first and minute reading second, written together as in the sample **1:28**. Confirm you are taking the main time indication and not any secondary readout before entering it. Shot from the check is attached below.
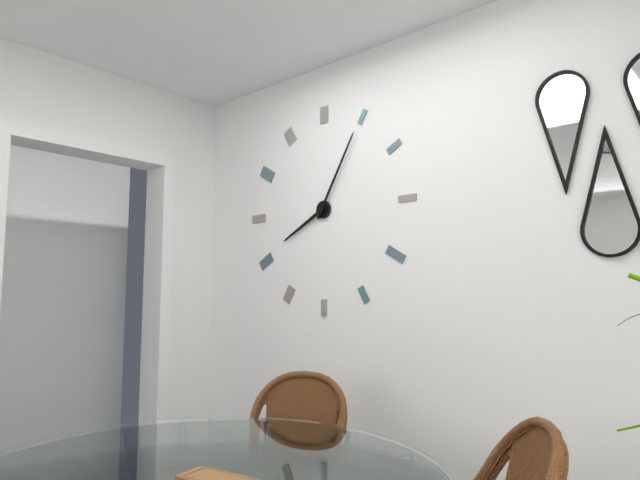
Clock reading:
**8:05**
